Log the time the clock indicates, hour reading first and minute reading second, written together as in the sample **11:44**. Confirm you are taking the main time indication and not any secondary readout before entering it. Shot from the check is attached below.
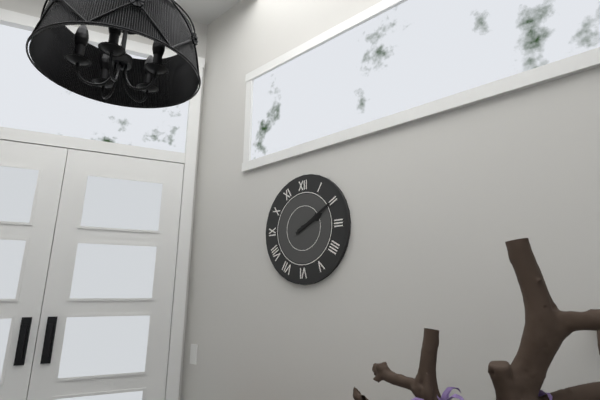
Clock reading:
**2:10**
